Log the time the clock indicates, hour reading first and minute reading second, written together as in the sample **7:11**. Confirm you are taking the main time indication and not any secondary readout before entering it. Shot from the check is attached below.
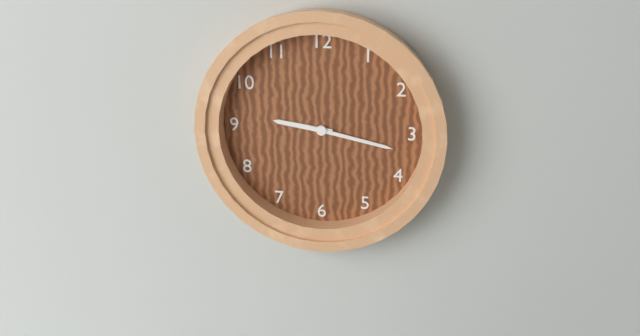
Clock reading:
**9:17**
